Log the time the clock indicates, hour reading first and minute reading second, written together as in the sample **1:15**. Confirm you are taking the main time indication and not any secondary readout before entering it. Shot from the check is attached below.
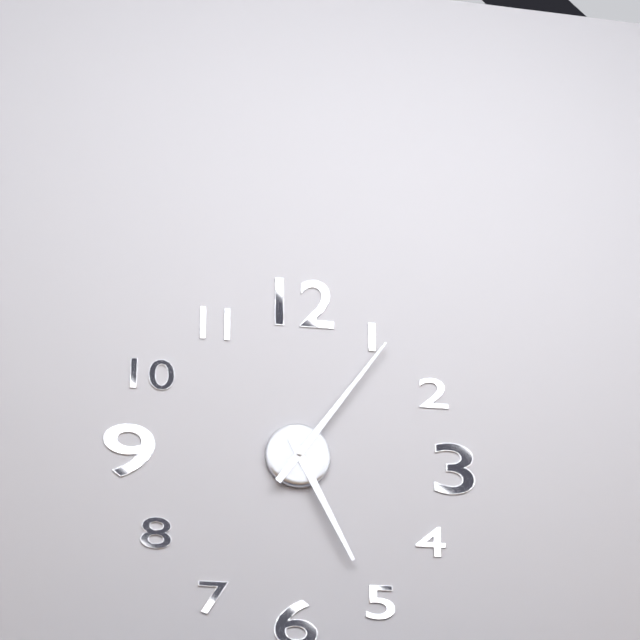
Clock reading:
**5:06**
